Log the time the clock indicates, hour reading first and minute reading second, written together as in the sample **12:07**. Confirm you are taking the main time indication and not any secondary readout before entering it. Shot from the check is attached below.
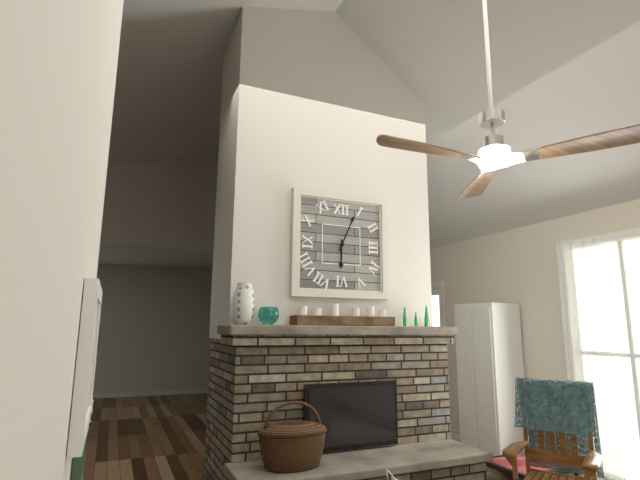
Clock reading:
**6:04**
